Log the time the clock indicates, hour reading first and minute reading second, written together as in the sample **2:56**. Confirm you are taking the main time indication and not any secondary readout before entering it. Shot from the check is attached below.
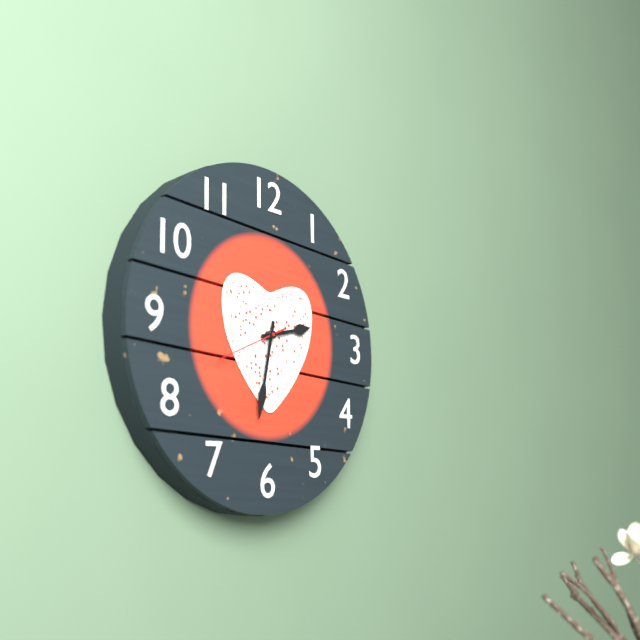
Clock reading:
**2:32**
